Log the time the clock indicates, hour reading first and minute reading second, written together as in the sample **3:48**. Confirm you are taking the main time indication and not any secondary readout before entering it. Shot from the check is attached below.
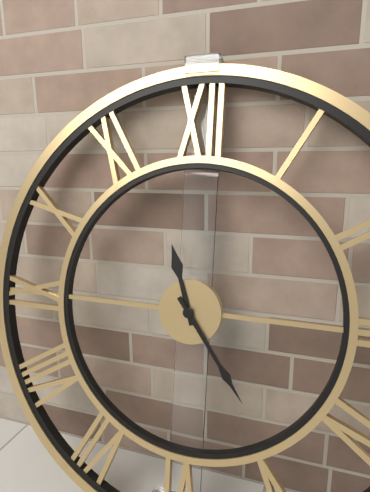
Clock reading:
**11:24**
